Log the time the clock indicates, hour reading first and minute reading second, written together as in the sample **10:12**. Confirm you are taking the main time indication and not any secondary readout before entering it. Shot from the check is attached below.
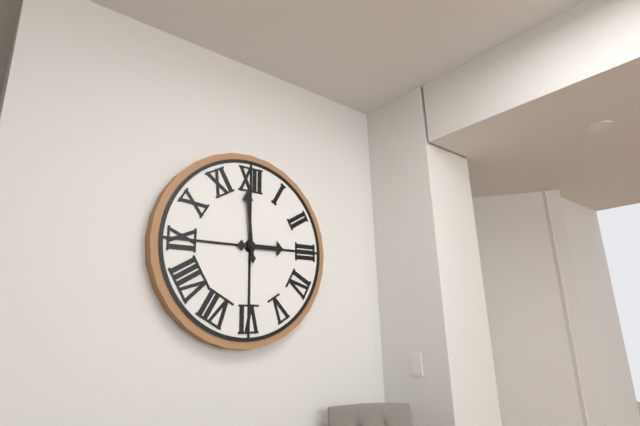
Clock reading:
**2:59**
